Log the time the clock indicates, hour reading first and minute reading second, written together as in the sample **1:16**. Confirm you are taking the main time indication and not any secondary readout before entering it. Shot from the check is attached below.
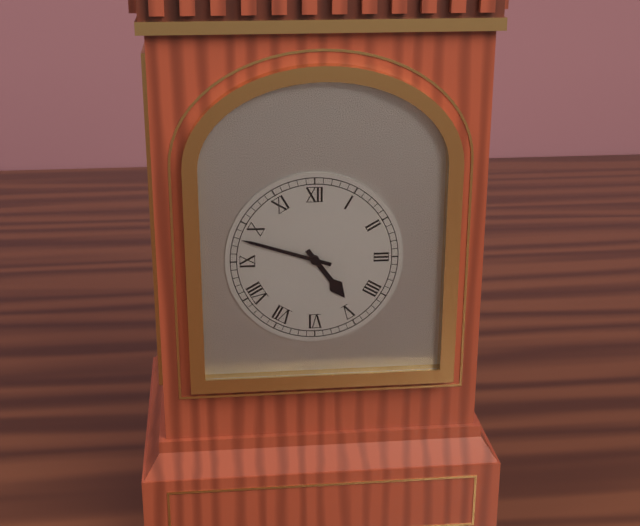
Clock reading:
**4:48**
